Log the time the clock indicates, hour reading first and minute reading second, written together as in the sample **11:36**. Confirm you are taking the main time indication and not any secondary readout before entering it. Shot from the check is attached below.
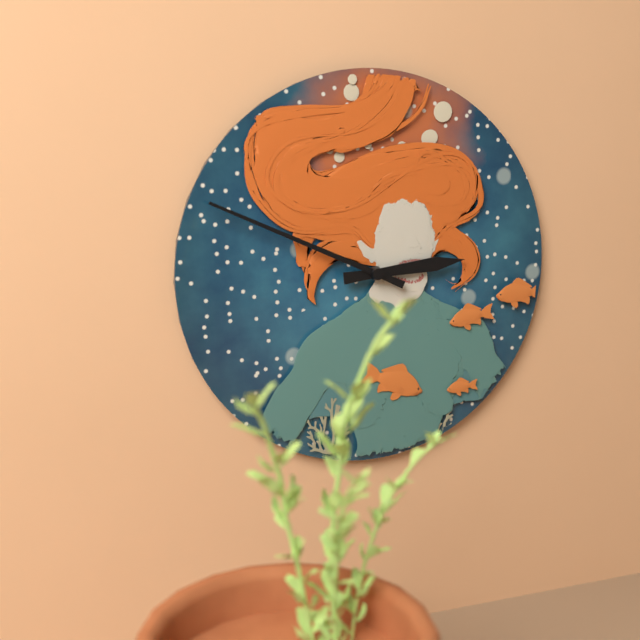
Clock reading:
**2:49**
